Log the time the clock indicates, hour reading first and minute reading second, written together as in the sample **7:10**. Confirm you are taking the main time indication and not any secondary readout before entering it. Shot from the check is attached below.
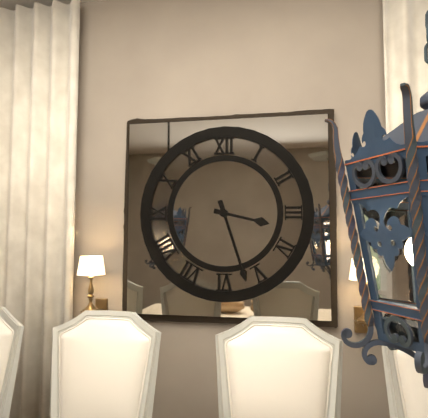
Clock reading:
**3:27**
